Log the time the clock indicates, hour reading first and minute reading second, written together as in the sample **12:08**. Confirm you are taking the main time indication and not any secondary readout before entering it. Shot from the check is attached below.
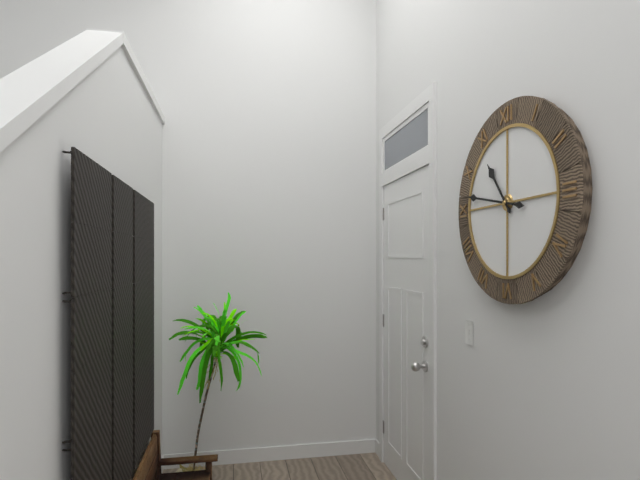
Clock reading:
**10:47**
